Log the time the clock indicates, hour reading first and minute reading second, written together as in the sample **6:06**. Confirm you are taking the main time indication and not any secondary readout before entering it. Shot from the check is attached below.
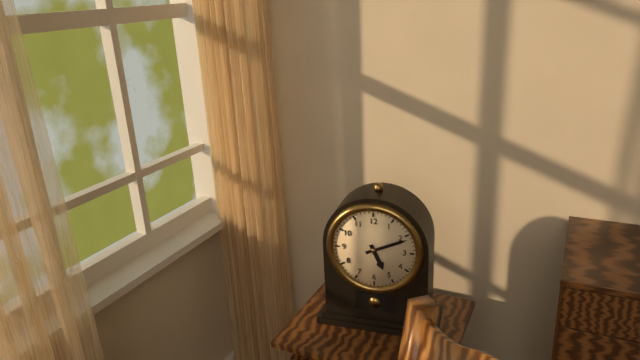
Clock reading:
**5:11**
